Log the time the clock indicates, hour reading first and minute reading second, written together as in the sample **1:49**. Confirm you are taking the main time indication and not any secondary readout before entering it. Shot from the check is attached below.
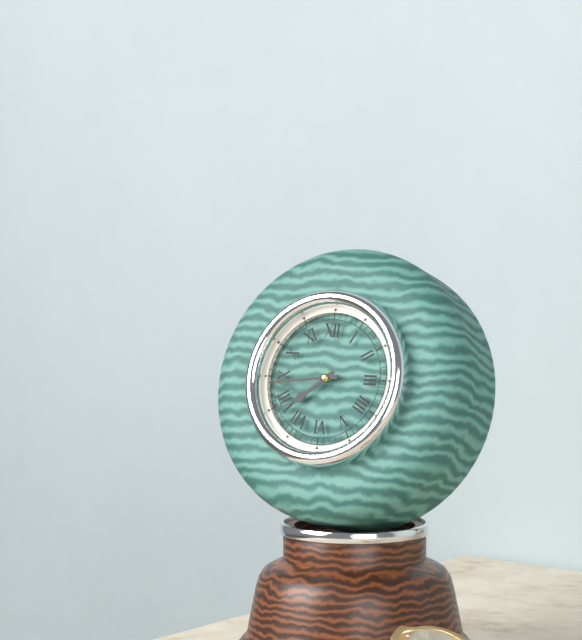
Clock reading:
**7:44**
